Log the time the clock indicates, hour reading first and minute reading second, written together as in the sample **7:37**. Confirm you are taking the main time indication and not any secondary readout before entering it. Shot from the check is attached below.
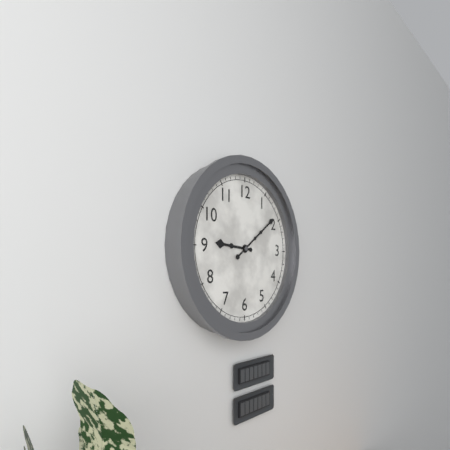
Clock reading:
**9:09**
